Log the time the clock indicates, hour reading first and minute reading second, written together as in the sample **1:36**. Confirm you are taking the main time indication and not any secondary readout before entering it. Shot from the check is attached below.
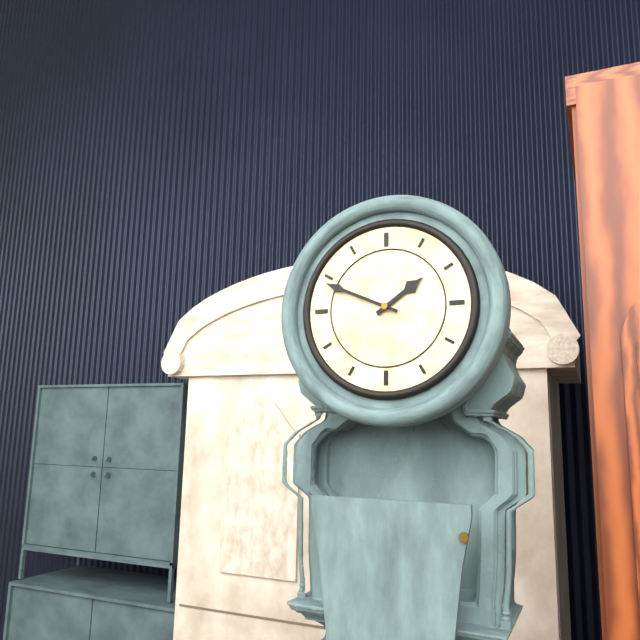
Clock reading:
**1:49**
